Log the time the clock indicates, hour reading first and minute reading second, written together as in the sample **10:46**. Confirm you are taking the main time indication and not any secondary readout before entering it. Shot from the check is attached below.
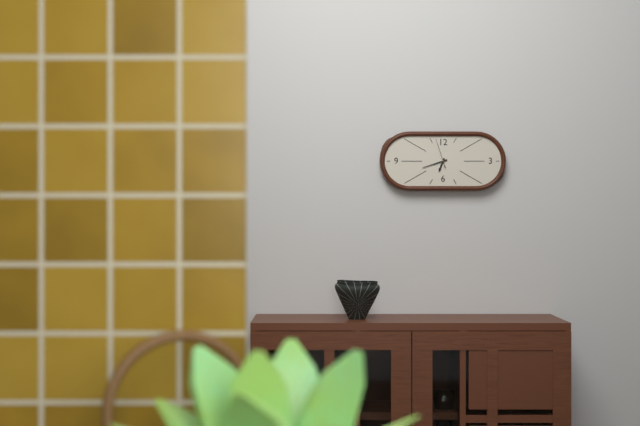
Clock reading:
**6:42**
